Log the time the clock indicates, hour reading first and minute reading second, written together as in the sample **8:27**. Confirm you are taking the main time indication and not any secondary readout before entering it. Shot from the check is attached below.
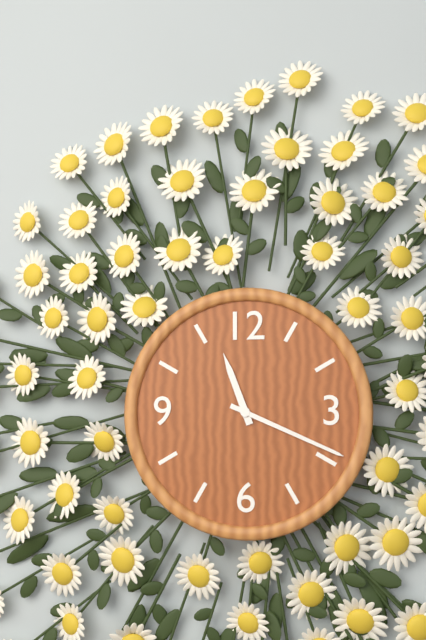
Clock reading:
**11:19**
